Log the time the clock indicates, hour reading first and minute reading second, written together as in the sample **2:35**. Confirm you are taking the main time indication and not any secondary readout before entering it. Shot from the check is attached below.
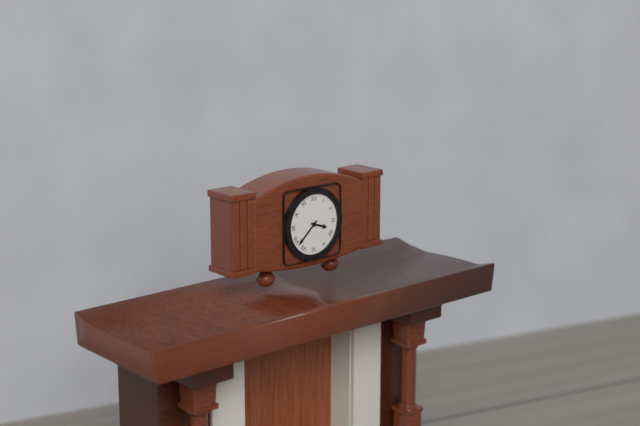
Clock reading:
**3:38**
